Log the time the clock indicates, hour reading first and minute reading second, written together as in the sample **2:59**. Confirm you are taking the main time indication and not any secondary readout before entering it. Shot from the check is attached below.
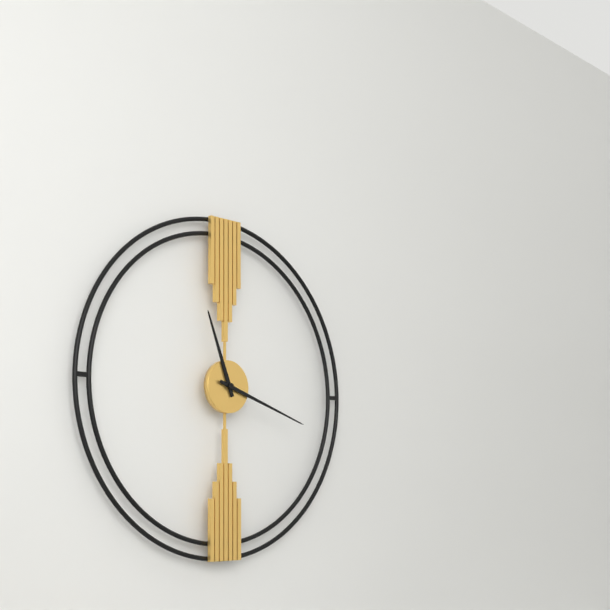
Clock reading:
**11:18**
